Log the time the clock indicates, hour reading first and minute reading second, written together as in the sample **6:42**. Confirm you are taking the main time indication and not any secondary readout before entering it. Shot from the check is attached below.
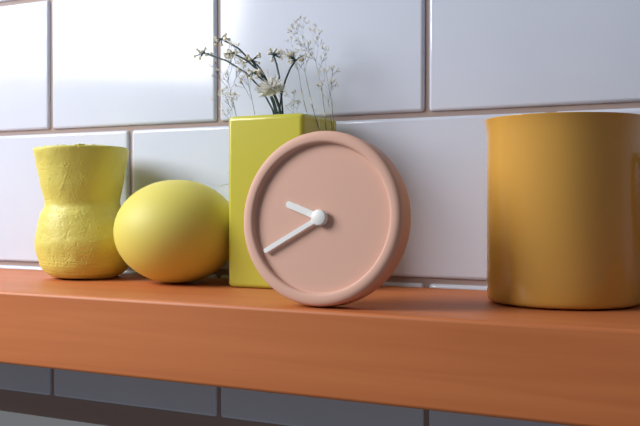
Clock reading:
**9:40**
